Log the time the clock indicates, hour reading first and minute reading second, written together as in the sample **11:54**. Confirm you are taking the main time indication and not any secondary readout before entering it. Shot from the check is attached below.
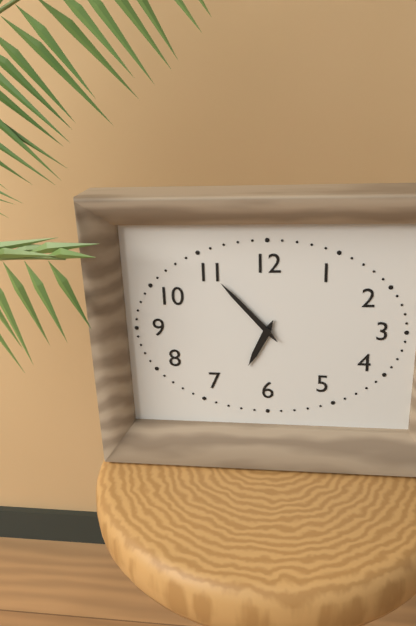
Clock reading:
**6:53**
